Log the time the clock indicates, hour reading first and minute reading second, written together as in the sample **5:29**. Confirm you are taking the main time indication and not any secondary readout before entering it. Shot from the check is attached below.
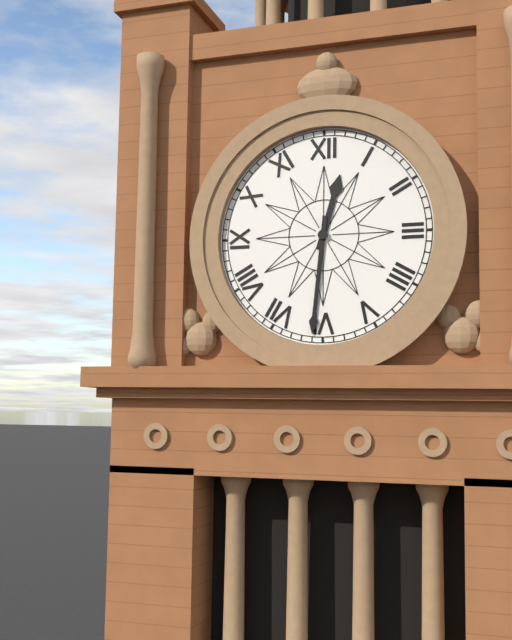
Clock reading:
**12:31**
